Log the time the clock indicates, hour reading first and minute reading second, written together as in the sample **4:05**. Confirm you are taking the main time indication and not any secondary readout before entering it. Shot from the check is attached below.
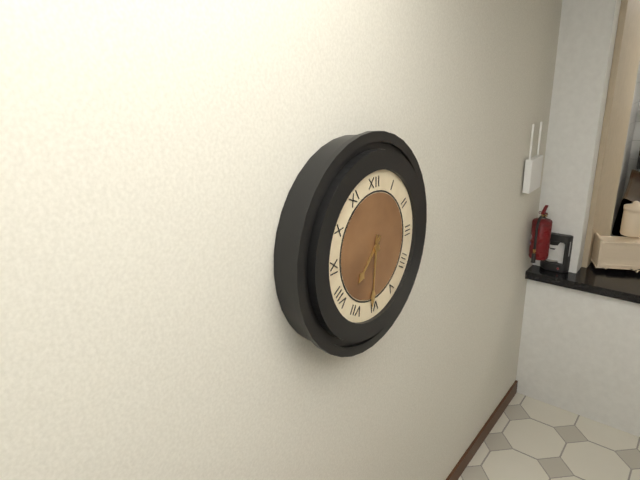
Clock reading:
**7:31**
